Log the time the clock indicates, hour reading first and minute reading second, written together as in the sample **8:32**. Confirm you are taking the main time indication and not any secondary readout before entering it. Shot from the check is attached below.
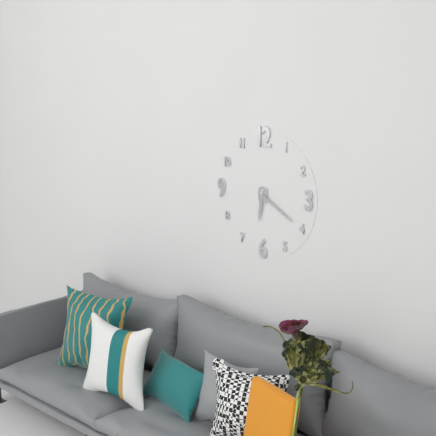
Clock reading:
**6:20**
